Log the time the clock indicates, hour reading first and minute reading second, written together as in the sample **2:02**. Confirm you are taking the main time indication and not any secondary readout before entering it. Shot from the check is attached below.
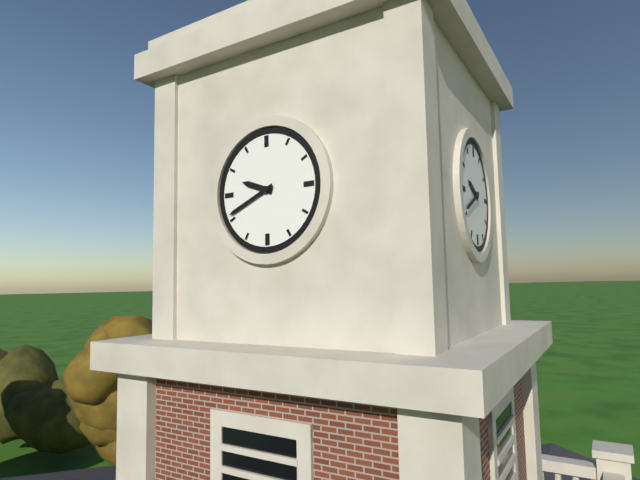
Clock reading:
**9:41**
